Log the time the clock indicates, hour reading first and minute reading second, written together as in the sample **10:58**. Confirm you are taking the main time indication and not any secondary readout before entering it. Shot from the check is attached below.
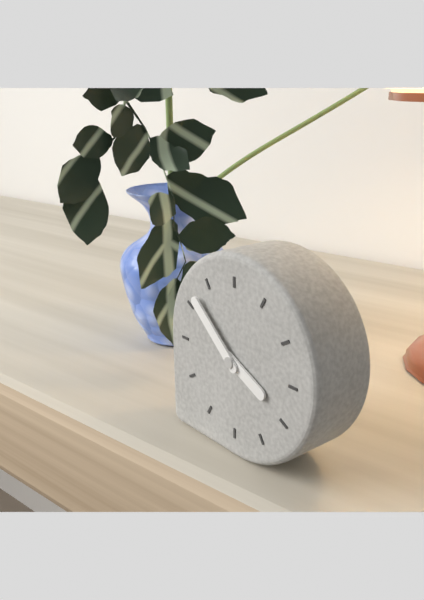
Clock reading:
**3:52**
